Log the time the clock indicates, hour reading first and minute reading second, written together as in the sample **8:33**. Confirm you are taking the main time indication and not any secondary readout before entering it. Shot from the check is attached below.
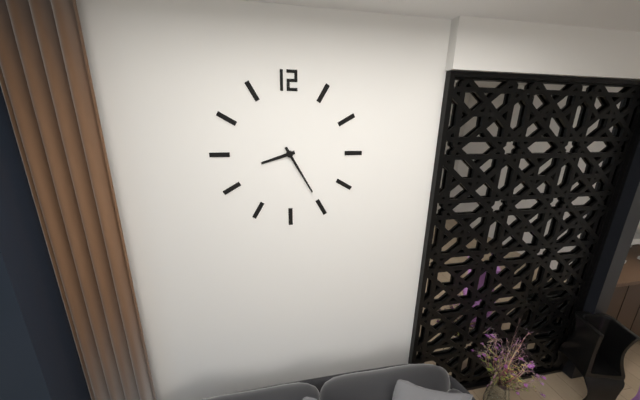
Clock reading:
**8:25**
